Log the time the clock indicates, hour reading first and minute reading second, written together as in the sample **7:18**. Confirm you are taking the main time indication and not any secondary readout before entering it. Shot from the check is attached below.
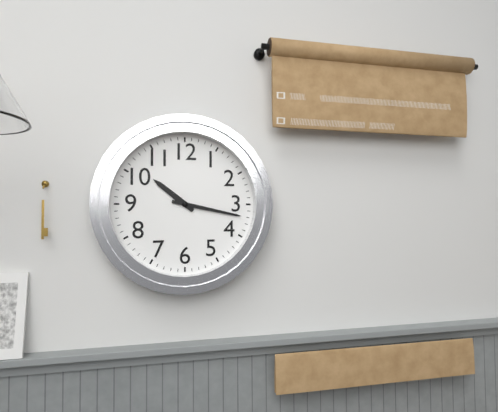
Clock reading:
**10:17**
